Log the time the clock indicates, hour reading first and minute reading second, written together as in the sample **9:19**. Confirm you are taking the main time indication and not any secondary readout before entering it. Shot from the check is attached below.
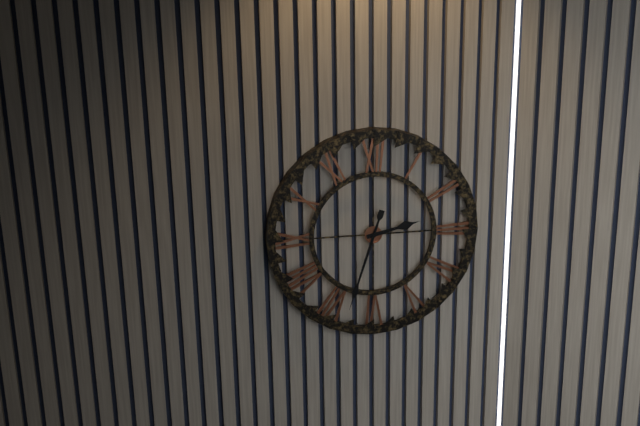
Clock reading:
**2:33**
